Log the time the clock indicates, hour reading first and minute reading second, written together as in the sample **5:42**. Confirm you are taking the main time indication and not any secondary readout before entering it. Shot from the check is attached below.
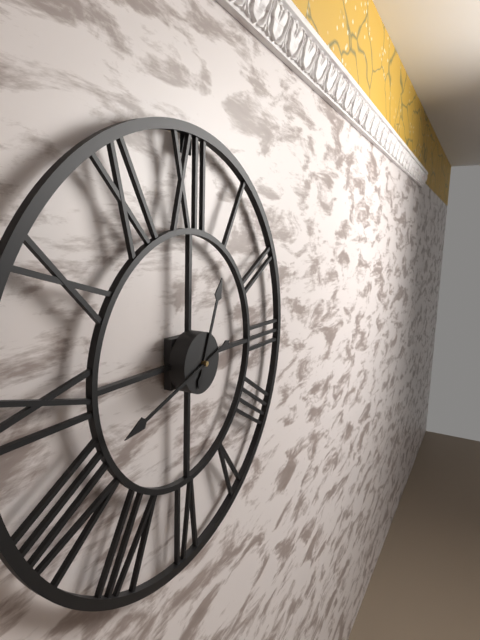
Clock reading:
**12:42**
